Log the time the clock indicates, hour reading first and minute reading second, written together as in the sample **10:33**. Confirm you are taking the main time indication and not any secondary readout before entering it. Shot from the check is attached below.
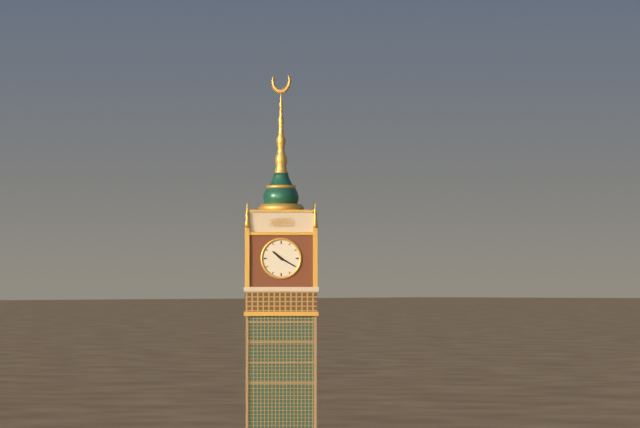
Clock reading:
**10:20**
